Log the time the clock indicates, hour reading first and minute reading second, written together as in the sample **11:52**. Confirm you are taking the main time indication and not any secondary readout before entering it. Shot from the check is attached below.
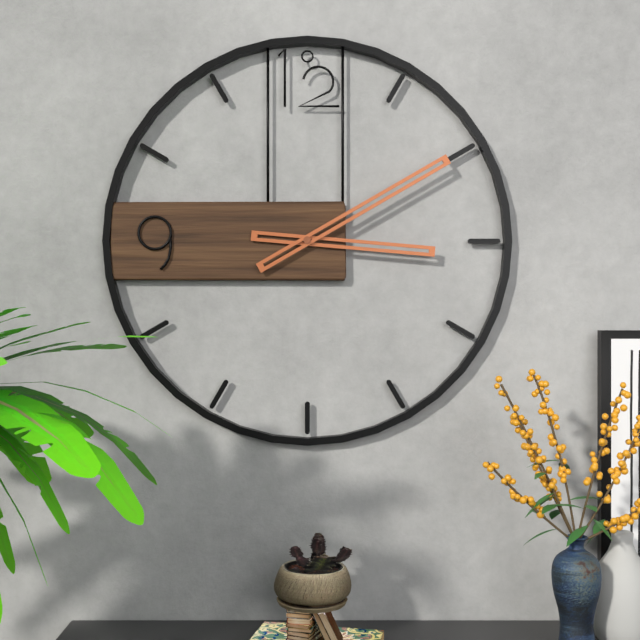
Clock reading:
**3:10**
